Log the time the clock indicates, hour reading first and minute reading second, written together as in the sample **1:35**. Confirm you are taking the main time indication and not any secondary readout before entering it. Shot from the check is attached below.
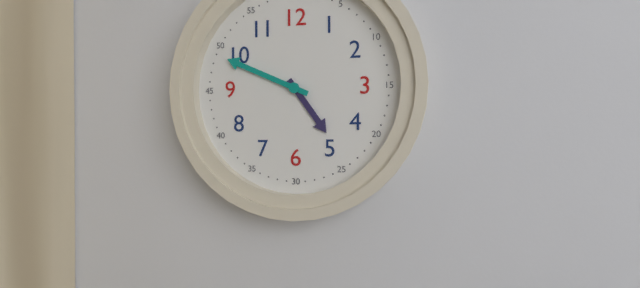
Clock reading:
**4:49**
